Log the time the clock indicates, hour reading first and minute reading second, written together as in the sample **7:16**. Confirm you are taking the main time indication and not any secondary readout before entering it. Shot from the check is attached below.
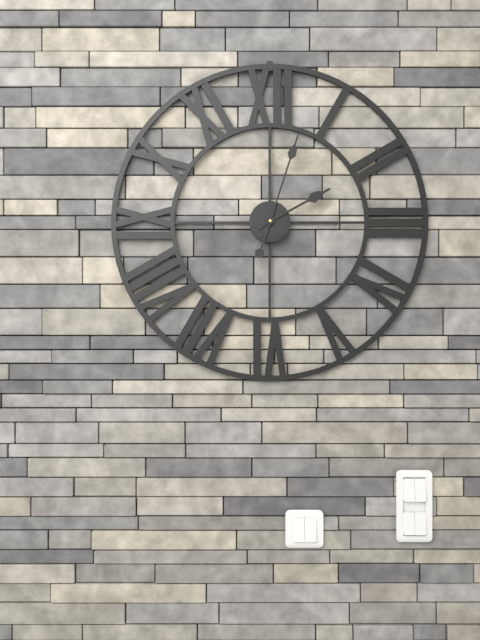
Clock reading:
**2:03**
